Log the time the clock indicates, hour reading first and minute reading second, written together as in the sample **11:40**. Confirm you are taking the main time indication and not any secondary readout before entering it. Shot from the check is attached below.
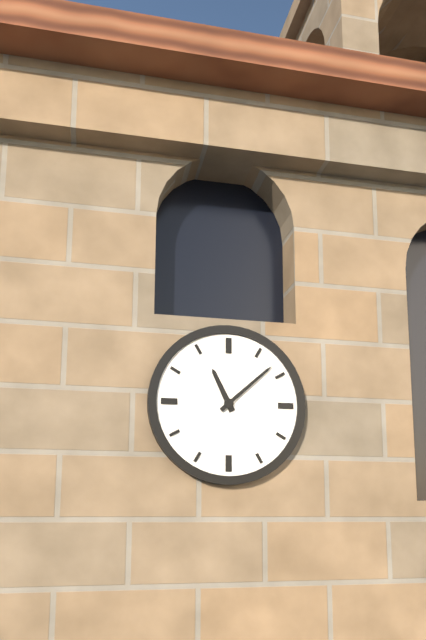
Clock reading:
**11:08**
